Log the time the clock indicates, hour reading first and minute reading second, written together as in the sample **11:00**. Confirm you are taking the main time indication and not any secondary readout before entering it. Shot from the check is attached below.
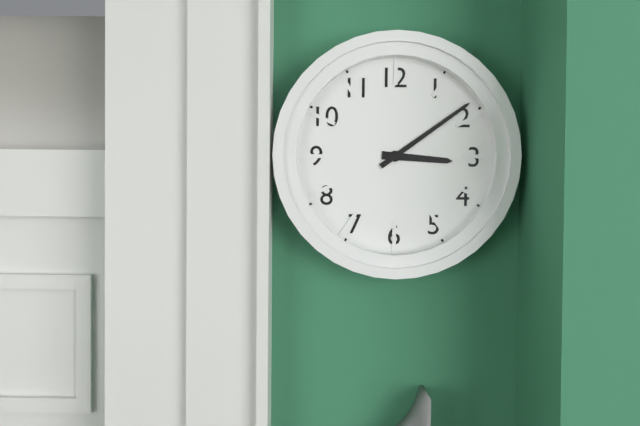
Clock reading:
**3:09**
